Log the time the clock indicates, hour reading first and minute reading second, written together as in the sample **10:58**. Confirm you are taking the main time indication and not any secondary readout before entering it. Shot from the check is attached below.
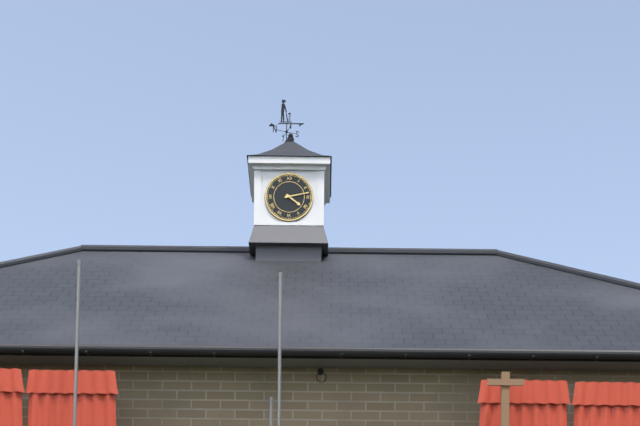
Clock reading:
**4:13**
